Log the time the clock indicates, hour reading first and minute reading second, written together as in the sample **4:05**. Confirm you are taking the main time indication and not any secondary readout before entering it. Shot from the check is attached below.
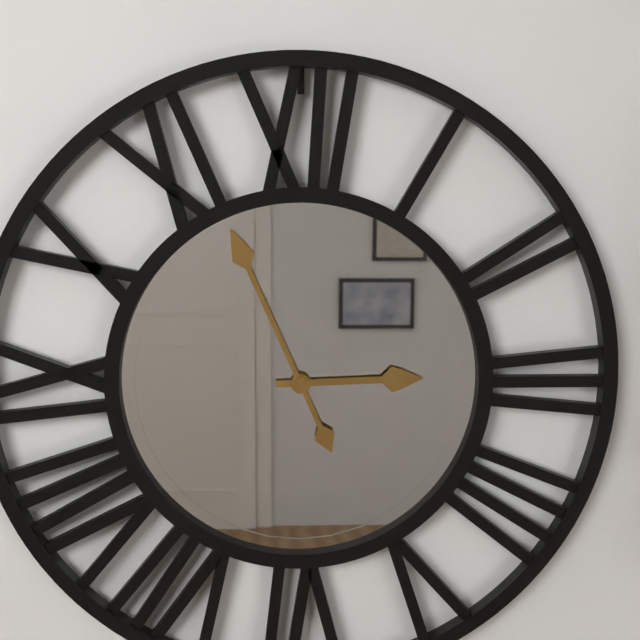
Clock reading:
**2:56**
